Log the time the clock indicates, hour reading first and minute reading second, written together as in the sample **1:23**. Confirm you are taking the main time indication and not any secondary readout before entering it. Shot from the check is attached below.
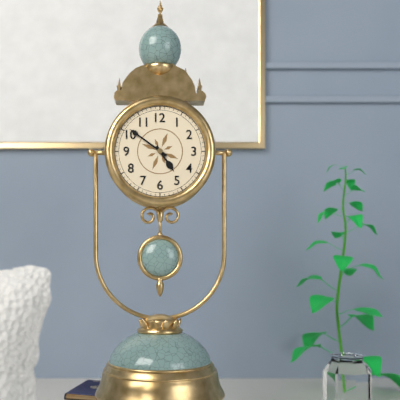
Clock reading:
**4:51**
